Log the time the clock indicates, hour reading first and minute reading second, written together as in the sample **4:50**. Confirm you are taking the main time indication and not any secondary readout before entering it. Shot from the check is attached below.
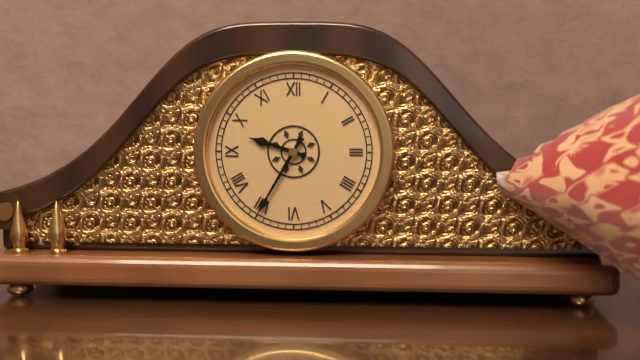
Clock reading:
**9:35**
